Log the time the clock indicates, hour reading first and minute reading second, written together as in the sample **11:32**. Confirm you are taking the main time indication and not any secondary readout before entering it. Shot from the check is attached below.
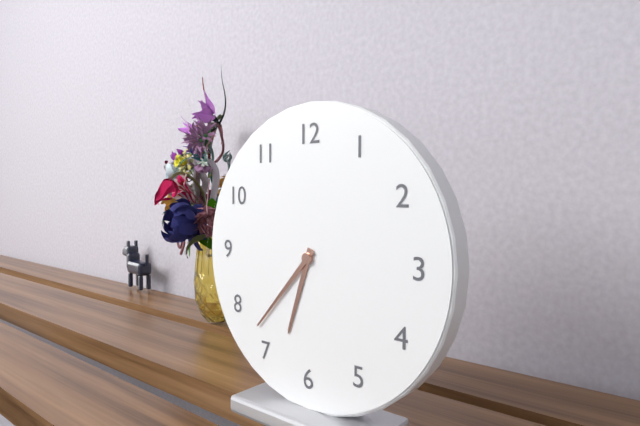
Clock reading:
**6:37**
